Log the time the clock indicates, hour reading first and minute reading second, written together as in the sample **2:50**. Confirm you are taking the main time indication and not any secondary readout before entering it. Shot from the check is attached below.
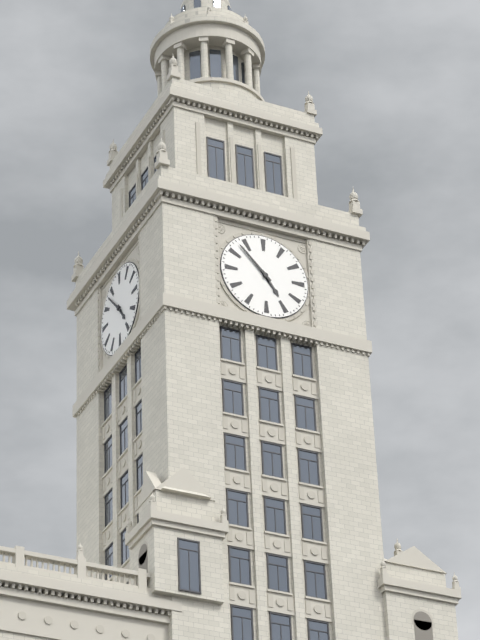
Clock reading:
**4:53**
